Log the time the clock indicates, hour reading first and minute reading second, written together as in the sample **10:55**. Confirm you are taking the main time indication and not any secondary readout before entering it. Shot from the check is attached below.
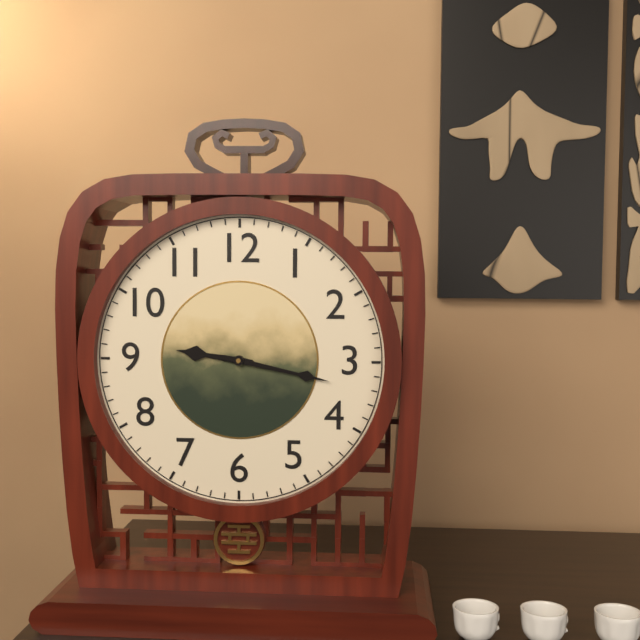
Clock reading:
**9:17**
